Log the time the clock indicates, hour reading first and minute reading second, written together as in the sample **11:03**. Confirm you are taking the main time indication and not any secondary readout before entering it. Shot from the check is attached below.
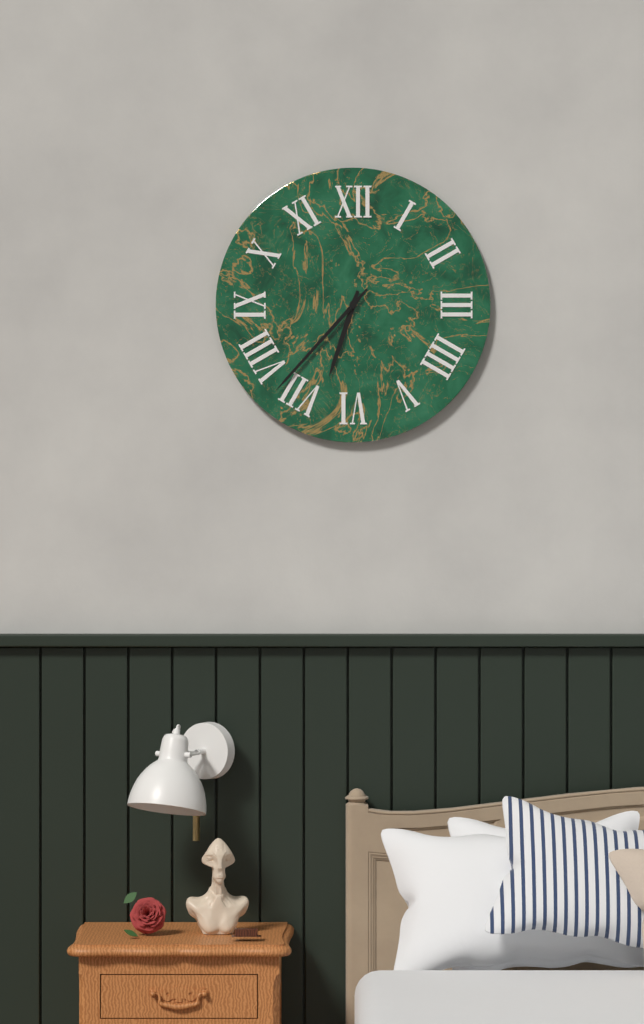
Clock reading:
**6:37**
